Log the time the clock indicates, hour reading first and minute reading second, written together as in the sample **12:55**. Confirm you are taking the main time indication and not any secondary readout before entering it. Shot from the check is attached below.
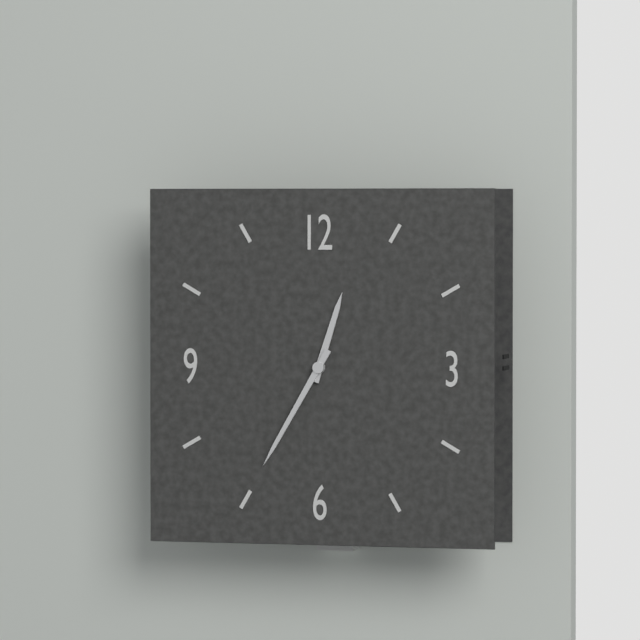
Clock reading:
**12:35**
